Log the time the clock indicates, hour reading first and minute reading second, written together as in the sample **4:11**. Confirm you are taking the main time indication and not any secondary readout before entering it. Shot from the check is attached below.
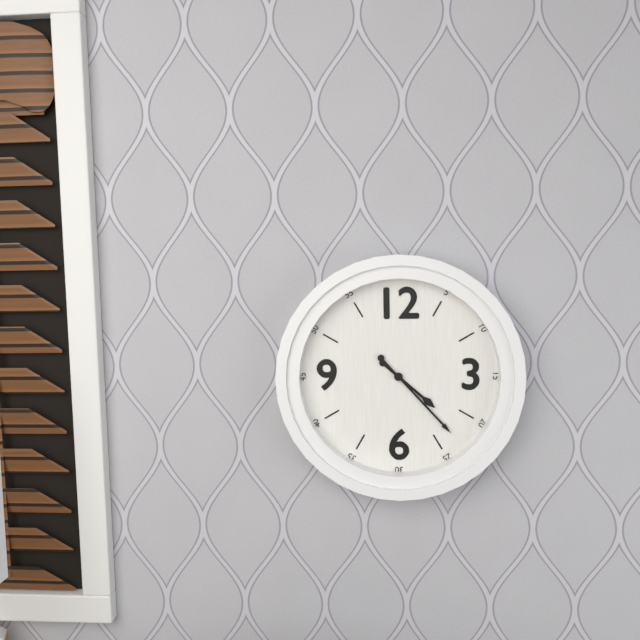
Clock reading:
**4:23**
